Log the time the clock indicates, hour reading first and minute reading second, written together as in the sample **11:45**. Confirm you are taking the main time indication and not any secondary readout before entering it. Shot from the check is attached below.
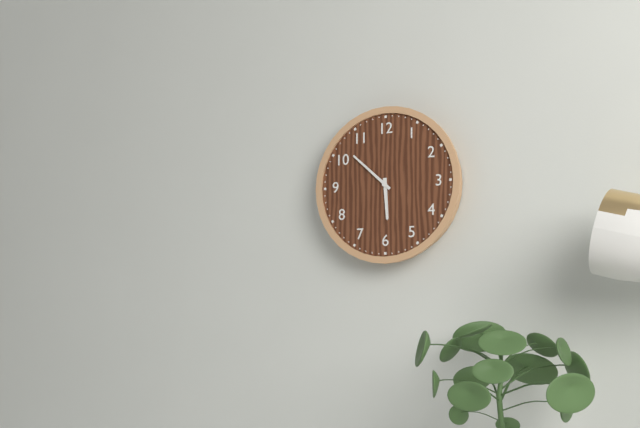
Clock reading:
**5:52**
